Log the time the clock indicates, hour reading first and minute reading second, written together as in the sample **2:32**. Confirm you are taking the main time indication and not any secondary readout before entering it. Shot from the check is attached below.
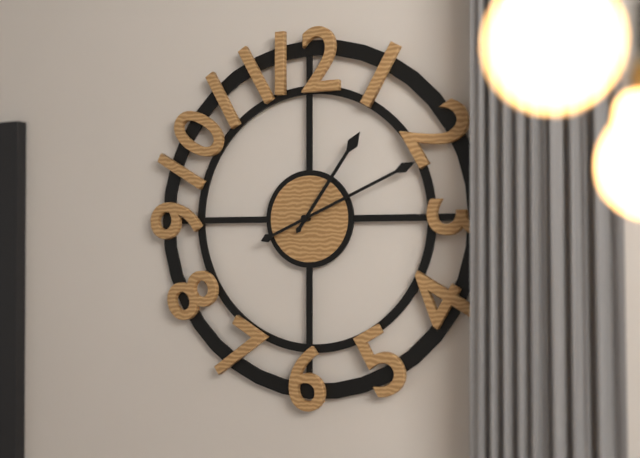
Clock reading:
**1:11**
